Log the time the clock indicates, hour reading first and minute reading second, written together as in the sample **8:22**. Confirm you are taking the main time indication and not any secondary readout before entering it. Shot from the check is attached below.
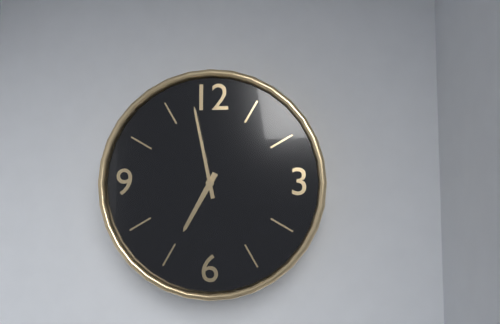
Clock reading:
**6:58**
